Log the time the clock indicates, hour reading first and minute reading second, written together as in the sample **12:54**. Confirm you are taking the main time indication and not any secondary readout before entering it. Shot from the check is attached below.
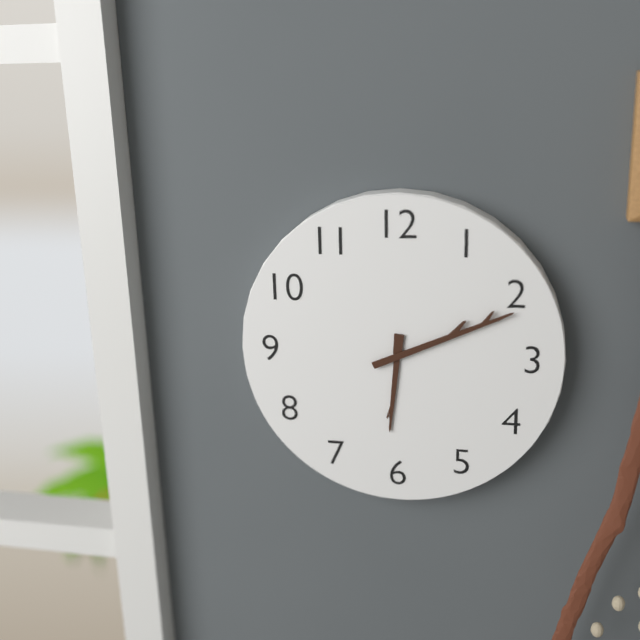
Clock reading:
**6:11**
